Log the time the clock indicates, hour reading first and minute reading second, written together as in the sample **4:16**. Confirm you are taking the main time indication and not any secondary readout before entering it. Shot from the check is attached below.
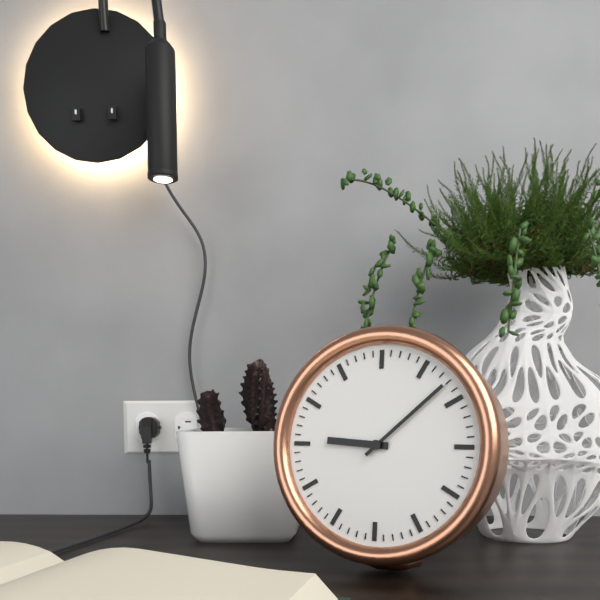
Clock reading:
**9:08**
